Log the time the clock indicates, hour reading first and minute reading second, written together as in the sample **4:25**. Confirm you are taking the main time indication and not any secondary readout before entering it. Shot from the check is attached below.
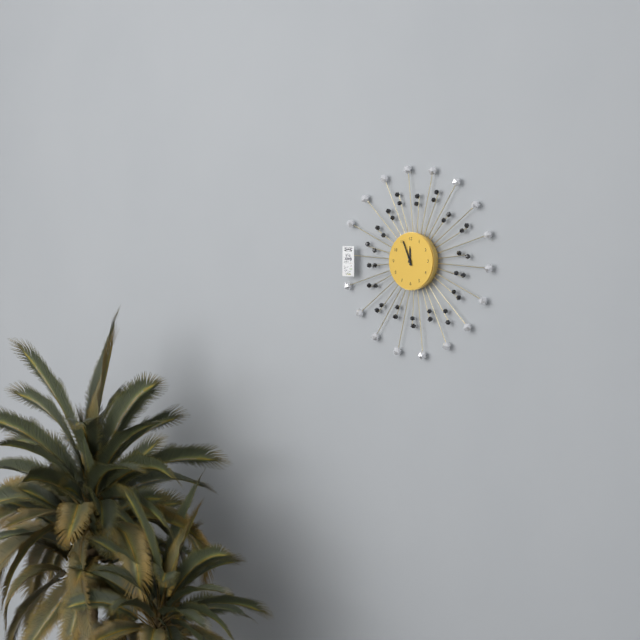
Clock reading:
**11:56**
